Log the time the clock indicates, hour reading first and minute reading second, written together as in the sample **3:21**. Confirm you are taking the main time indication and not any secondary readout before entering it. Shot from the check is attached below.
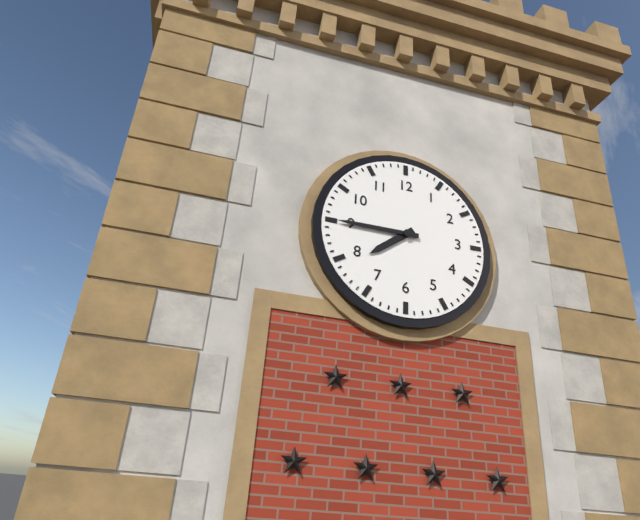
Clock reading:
**7:45**
